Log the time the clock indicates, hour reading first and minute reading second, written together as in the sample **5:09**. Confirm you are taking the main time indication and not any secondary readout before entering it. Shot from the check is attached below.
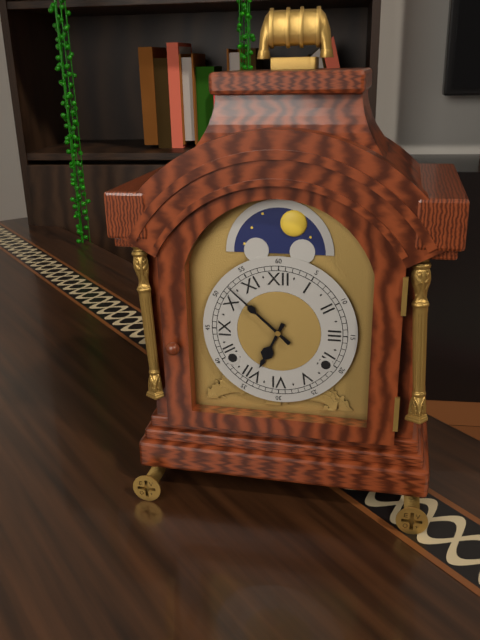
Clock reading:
**6:52**
